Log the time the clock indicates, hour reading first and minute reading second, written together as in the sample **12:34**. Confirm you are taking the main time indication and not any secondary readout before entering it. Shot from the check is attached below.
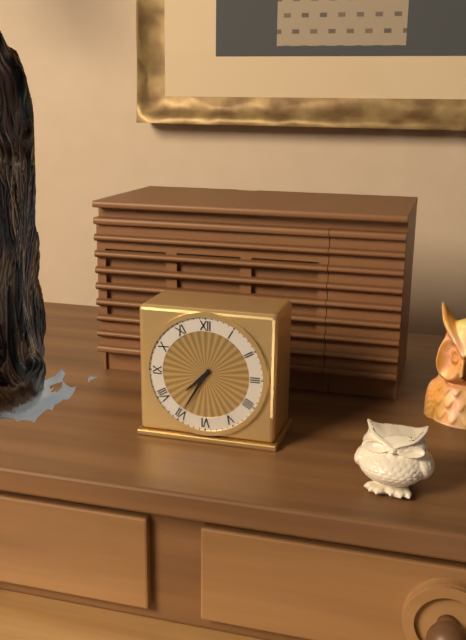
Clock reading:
**7:35**
